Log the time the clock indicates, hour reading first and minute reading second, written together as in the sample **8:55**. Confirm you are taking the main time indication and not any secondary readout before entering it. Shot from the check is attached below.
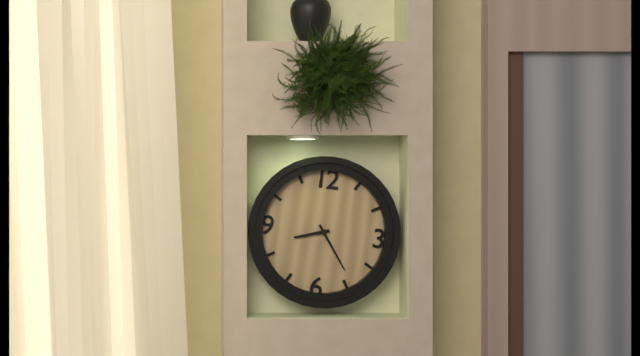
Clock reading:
**8:24**
